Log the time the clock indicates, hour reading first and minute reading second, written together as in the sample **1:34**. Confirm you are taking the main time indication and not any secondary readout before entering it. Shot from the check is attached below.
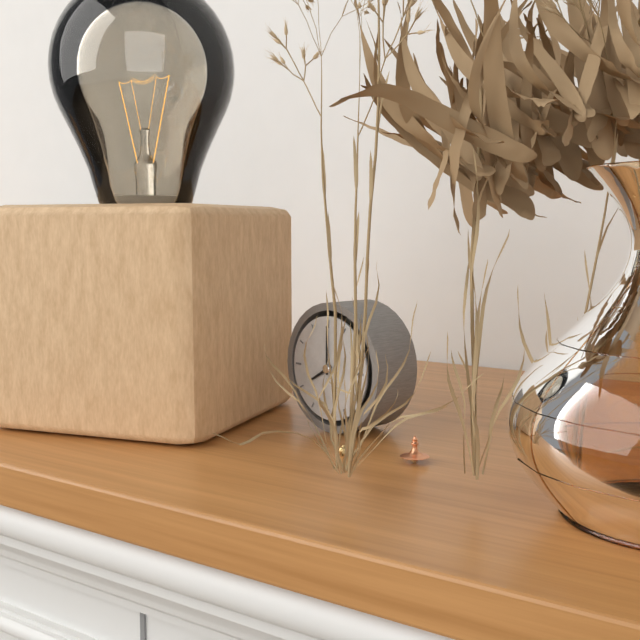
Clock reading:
**8:00**
